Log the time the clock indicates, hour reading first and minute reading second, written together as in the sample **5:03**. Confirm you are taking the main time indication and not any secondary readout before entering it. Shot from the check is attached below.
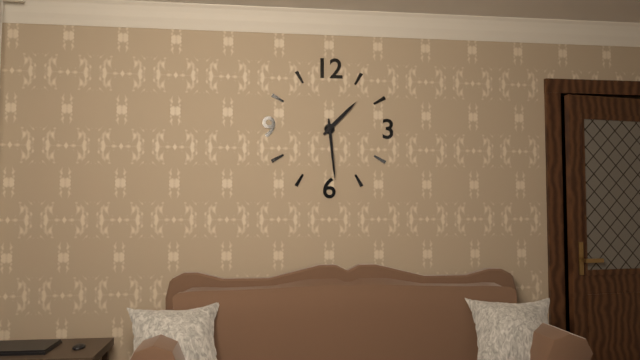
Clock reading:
**1:29**
